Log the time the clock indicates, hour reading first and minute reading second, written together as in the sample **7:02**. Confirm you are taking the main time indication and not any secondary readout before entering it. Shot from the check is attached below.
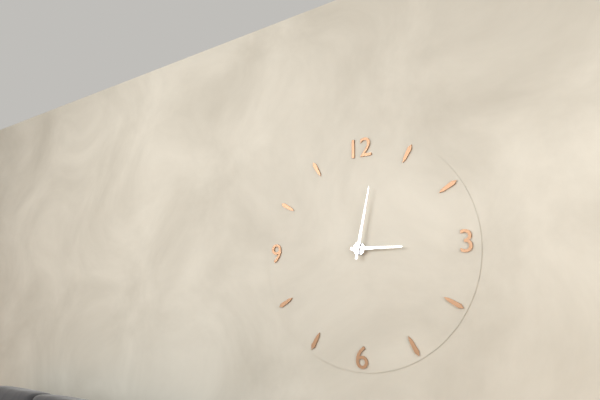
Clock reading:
**3:02**
